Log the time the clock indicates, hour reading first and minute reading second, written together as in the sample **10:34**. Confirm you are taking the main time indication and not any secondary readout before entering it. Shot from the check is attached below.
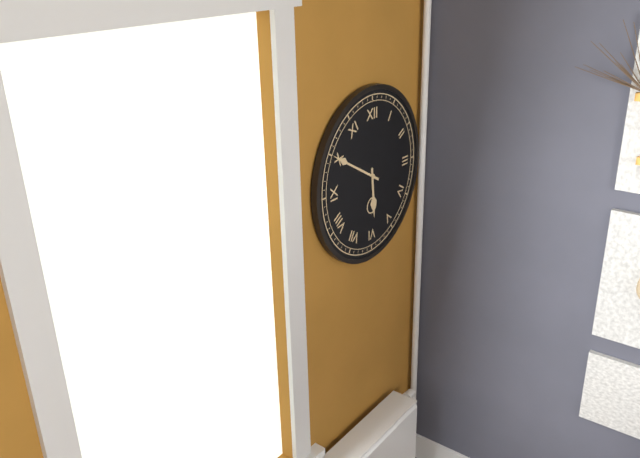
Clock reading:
**5:50**
